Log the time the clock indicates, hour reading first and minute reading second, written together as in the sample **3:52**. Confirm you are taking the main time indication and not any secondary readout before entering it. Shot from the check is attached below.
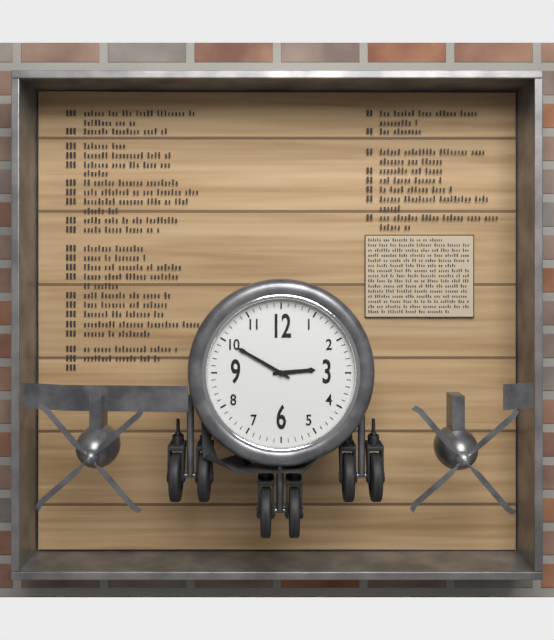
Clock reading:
**2:50**
